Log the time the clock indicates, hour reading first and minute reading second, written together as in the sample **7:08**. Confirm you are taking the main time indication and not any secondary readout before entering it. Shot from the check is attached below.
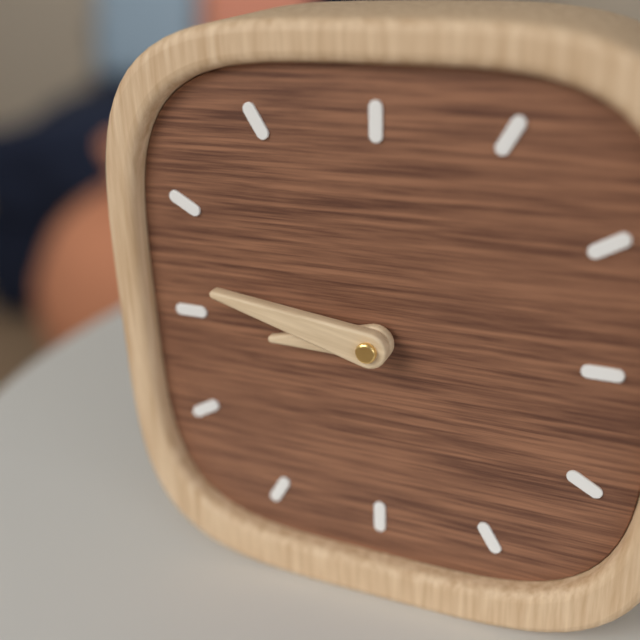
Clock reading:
**8:47**
